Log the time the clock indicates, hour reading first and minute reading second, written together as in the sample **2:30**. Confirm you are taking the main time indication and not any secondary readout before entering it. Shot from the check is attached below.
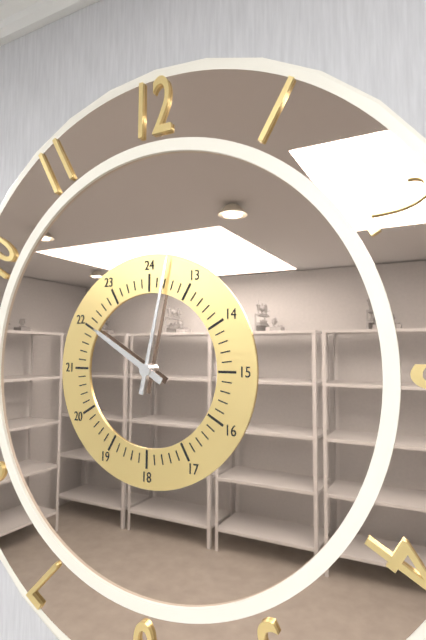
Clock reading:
**10:02**
